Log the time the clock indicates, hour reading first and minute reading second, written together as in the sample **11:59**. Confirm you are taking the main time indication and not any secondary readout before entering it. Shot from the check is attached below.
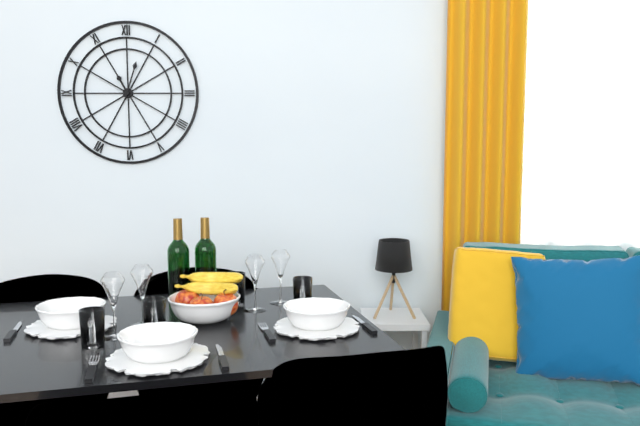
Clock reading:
**11:03**
